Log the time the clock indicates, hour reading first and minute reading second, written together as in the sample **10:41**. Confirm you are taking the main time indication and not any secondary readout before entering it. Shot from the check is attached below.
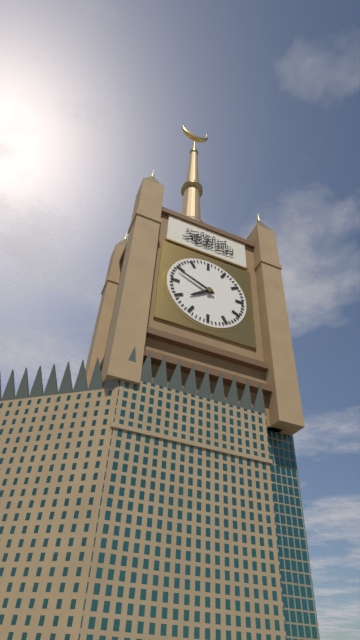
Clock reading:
**7:49**
